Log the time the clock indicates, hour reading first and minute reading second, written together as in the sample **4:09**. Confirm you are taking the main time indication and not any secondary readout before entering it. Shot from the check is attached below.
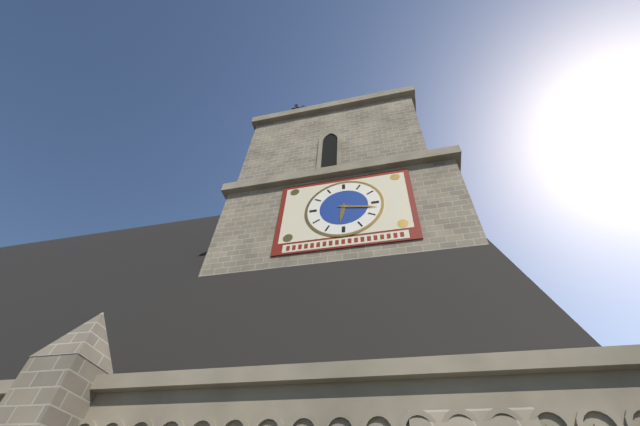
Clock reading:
**6:17**
